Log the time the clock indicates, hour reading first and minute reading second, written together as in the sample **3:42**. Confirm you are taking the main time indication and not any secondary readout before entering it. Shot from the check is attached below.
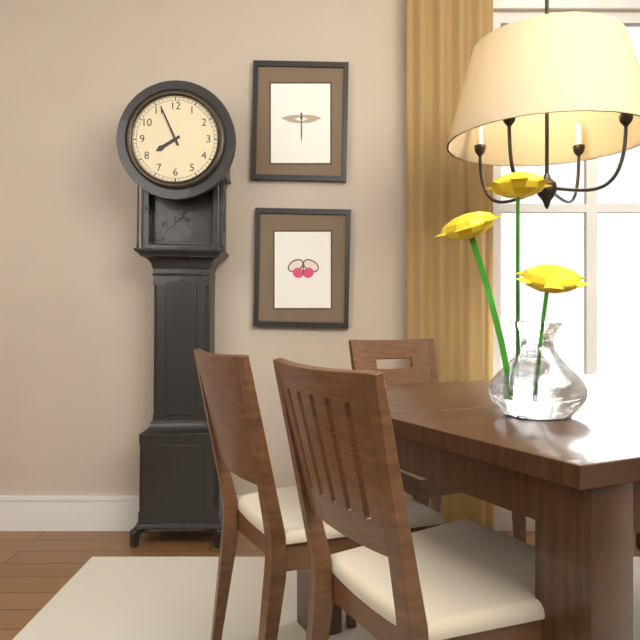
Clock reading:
**7:56**
